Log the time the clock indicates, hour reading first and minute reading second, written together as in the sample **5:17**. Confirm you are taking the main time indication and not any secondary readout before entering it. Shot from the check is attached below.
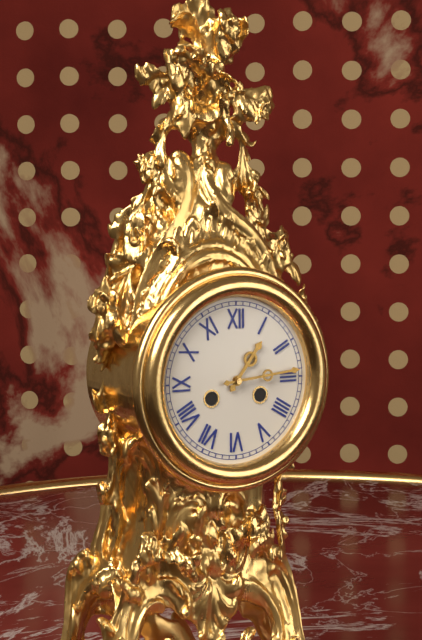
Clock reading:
**1:14**
